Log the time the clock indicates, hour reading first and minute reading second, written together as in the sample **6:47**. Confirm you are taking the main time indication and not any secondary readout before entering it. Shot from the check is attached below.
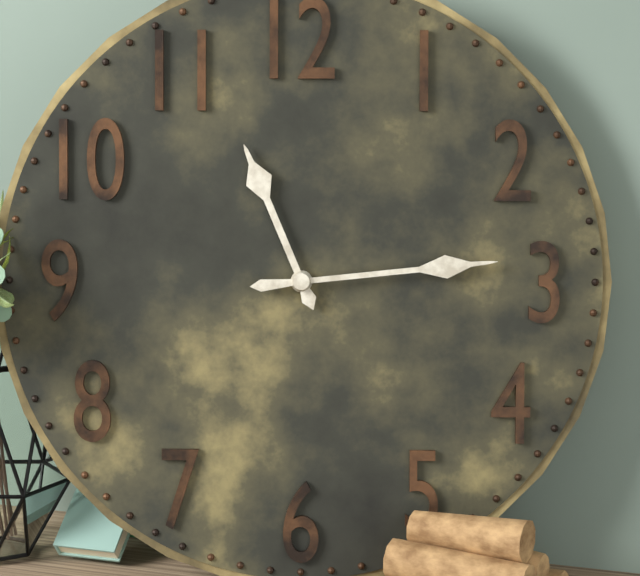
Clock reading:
**11:14**
